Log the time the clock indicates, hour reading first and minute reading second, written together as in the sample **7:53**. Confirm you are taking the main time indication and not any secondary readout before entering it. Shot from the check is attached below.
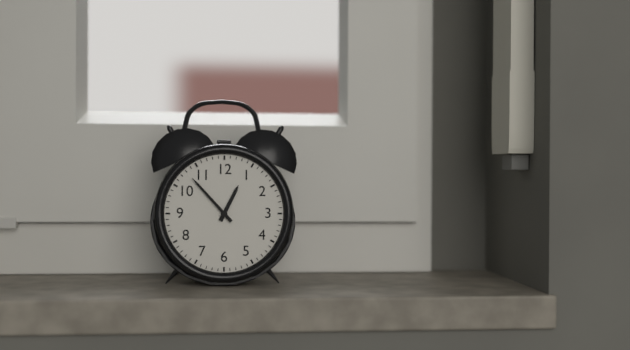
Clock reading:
**12:53**
